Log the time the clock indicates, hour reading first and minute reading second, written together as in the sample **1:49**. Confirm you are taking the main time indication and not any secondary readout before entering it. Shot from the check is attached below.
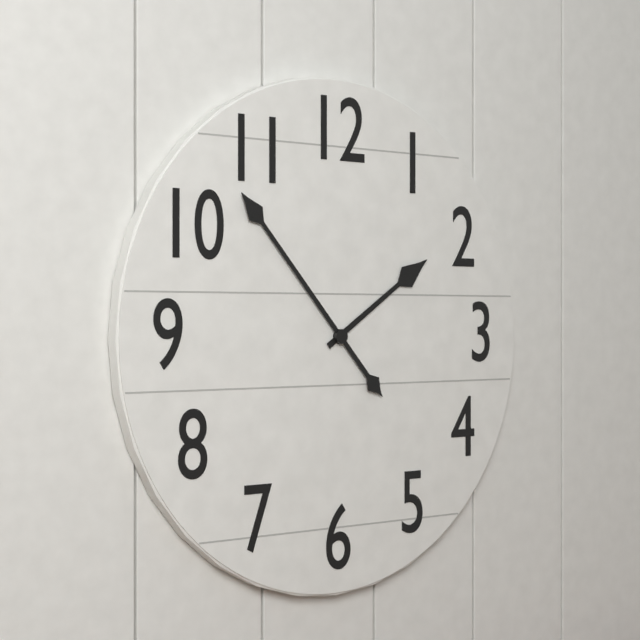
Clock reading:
**1:53**
